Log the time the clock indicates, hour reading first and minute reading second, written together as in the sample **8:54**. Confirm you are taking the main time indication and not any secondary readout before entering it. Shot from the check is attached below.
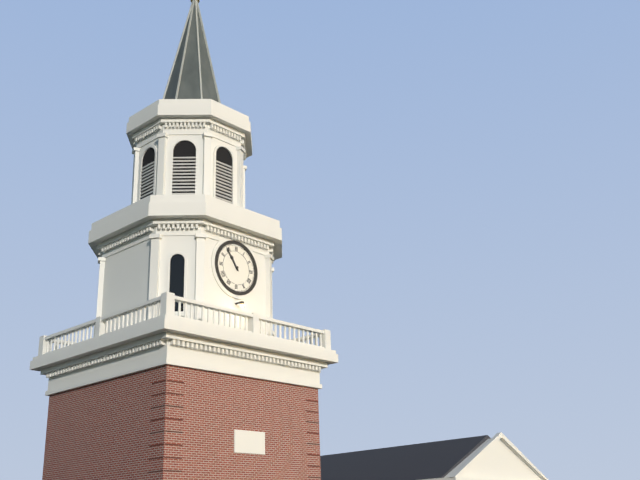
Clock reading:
**10:54**
